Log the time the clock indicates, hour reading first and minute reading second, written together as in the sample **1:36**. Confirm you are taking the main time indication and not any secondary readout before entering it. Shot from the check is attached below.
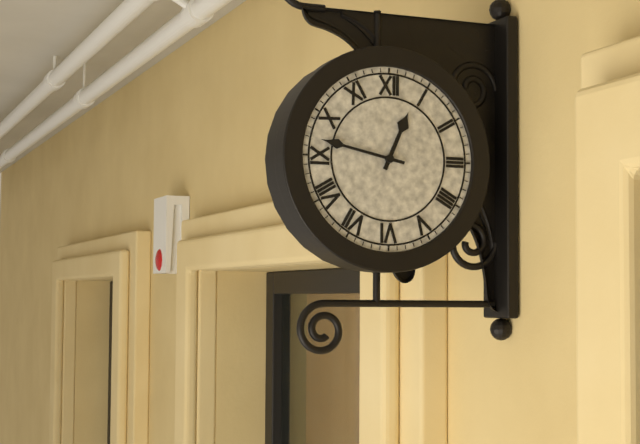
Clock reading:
**12:47**
